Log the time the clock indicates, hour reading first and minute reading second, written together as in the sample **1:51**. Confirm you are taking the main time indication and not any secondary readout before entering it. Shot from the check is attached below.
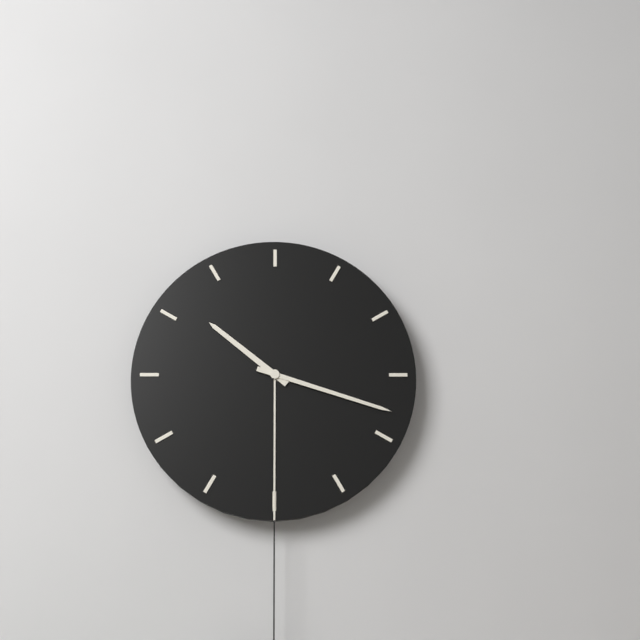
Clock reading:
**10:18**
